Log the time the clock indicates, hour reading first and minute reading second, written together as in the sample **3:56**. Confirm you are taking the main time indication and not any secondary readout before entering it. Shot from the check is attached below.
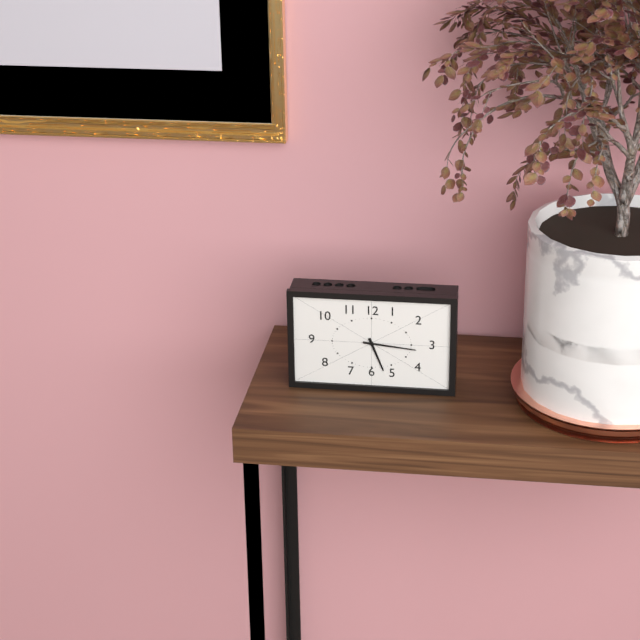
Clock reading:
**5:16**
